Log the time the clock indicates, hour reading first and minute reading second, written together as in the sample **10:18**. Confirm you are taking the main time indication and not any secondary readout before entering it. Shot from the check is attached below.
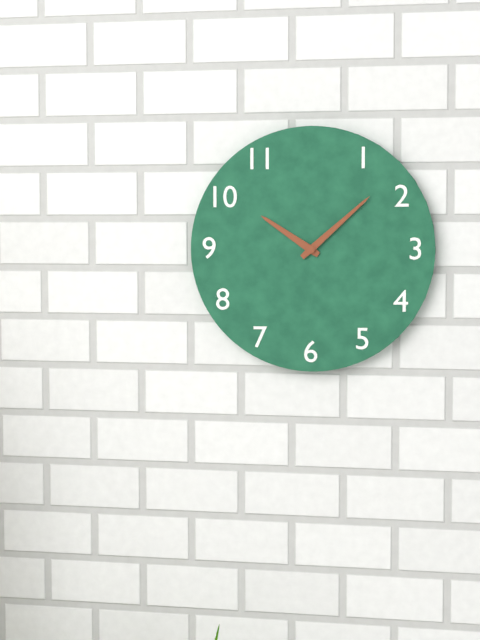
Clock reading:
**10:08**
